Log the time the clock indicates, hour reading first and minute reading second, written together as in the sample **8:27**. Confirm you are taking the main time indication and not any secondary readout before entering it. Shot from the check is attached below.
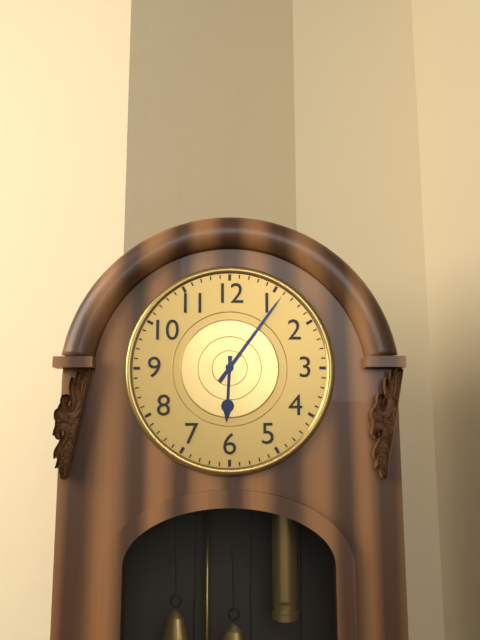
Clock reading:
**6:06**
